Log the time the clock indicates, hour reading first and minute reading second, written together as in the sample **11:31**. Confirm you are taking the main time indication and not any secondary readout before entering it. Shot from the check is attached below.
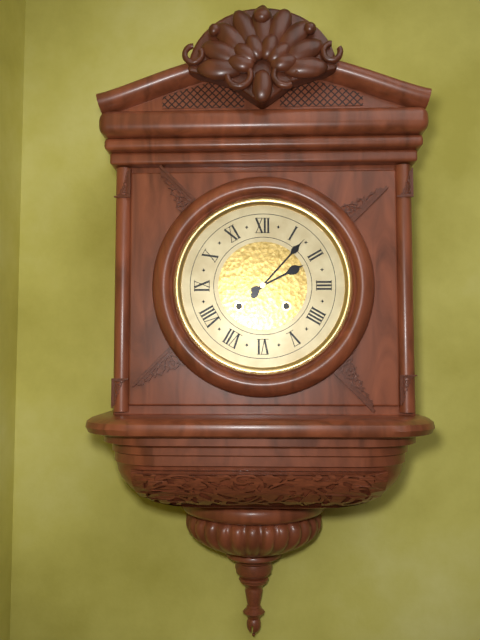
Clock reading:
**2:07**
